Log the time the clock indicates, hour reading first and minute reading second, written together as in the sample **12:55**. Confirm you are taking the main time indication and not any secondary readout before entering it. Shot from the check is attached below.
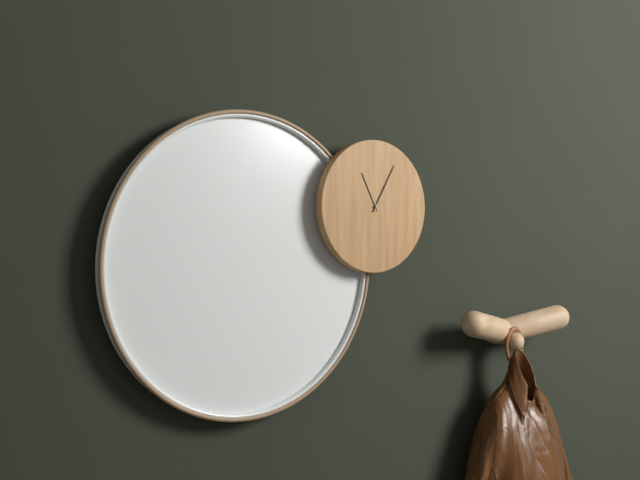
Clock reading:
**11:05**
